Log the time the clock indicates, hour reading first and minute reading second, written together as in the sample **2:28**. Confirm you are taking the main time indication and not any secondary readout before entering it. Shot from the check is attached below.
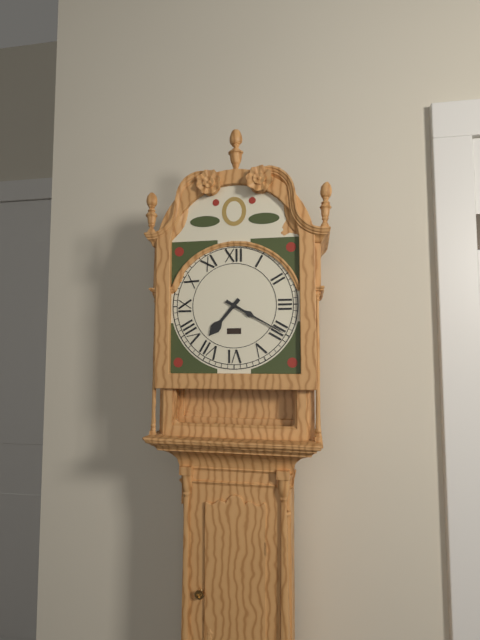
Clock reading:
**7:20**
